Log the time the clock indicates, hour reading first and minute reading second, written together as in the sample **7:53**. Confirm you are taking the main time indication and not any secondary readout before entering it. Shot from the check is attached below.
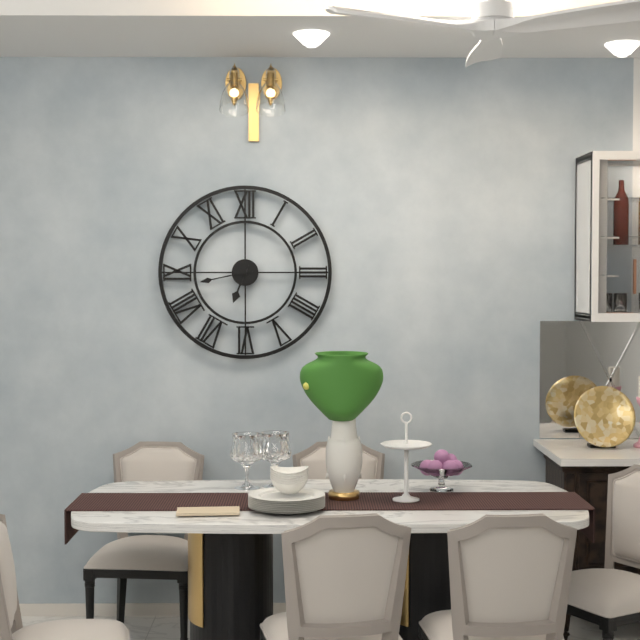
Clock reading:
**6:43**
